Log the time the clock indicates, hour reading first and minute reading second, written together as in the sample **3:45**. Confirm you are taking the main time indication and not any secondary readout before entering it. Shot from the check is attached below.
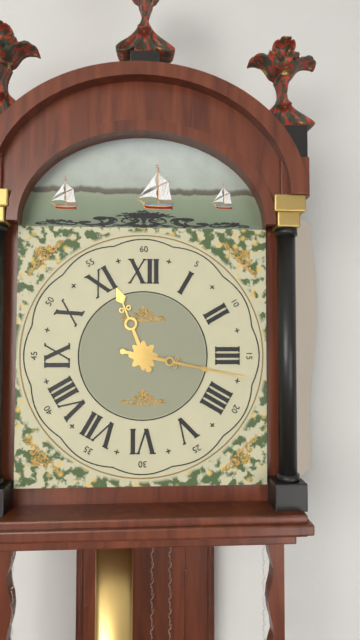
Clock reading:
**11:17**
